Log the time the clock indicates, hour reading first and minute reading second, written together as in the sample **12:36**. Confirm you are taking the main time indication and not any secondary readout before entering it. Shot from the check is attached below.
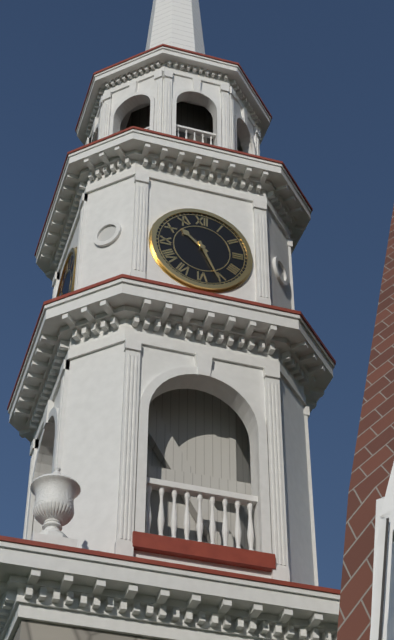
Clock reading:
**10:26**
